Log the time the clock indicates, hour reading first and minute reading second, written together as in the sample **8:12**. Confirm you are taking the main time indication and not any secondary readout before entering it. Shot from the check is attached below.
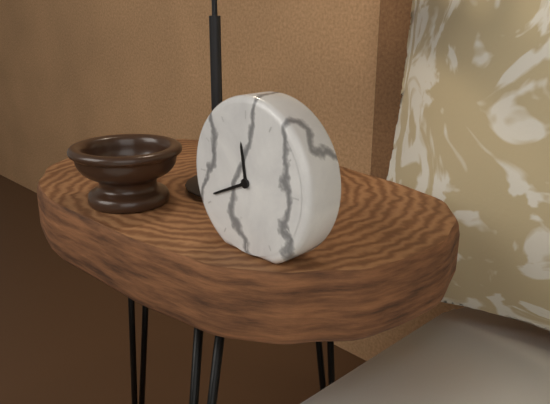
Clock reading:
**11:41**
